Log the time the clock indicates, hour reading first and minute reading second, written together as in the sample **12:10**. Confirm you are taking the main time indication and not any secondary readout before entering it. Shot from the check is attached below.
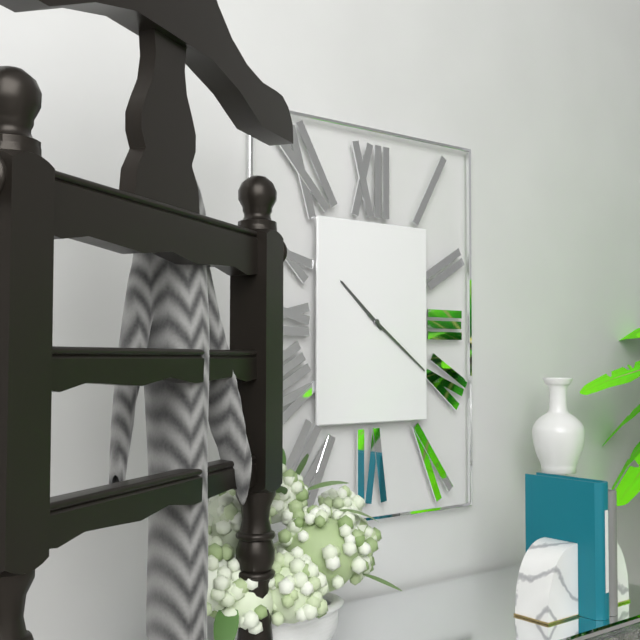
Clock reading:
**10:21**
